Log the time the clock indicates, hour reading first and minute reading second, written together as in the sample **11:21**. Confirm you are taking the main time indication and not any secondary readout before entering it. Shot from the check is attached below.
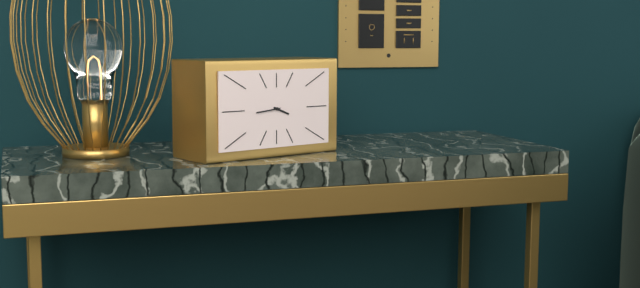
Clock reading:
**3:44**
